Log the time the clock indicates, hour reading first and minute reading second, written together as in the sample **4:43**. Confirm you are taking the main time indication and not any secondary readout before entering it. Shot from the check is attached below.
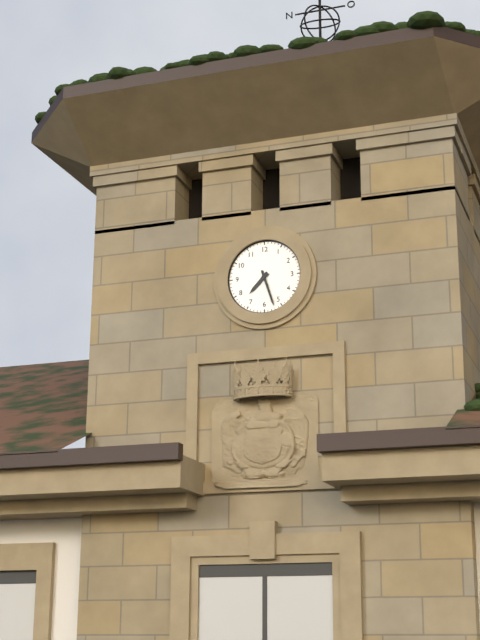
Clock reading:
**7:27**
